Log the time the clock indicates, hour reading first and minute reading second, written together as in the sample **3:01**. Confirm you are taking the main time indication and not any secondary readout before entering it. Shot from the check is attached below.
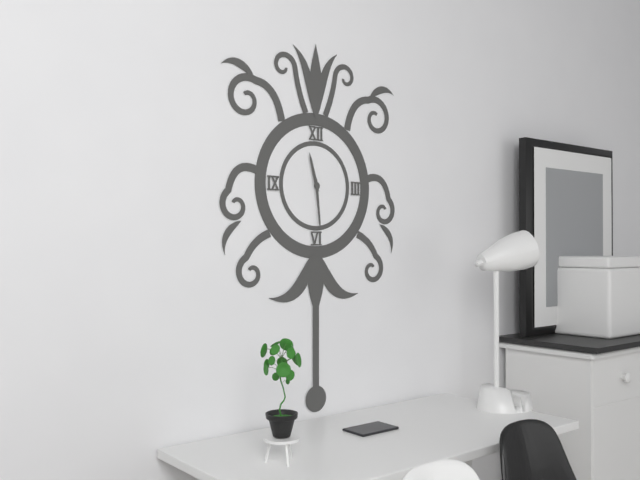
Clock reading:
**11:29**
